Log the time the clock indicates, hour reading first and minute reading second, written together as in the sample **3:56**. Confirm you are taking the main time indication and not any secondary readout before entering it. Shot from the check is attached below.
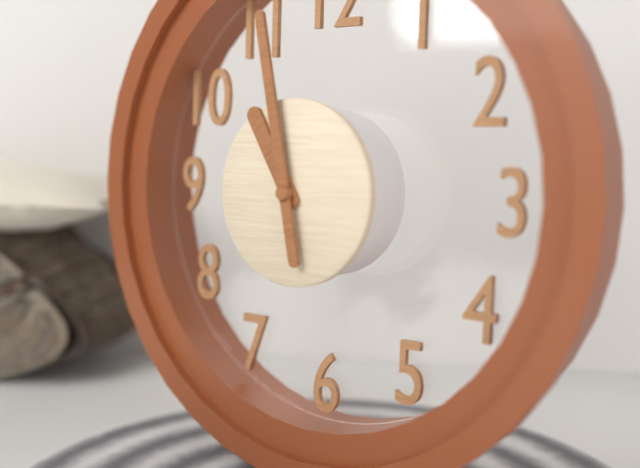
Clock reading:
**10:58**
